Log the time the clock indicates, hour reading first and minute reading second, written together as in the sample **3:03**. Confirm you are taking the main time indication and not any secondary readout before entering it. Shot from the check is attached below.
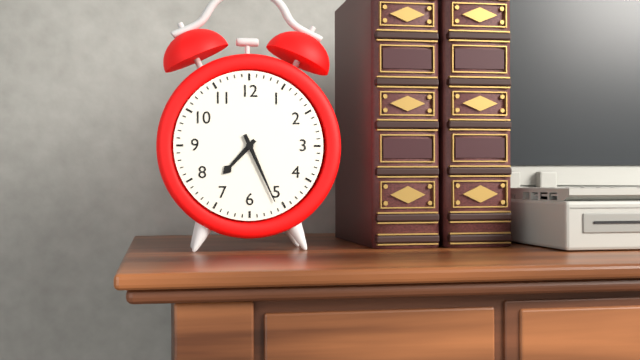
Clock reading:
**7:26**
